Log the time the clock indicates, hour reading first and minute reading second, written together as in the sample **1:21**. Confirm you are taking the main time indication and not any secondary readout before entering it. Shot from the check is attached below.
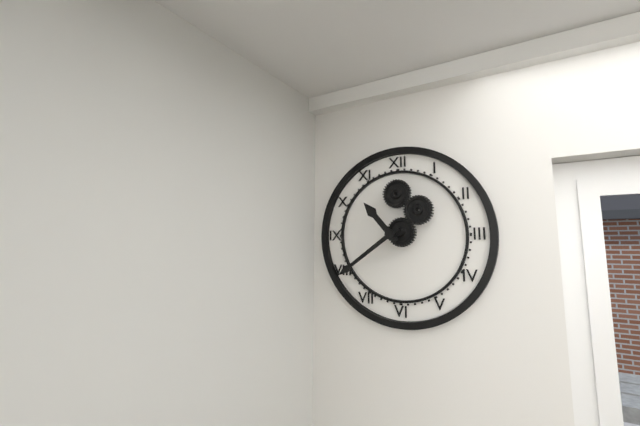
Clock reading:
**10:39**
